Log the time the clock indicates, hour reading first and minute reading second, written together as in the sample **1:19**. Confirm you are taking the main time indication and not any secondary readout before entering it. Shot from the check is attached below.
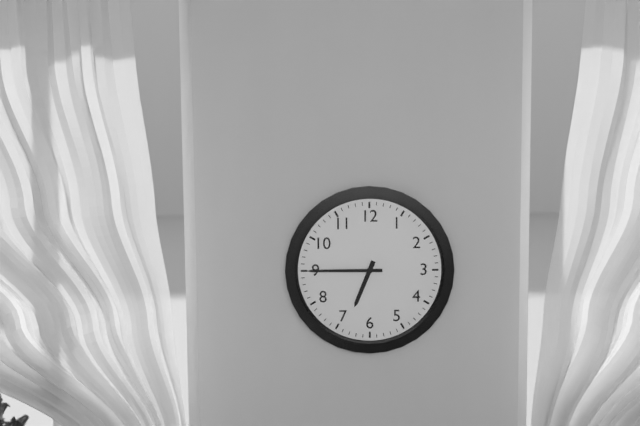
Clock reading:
**6:45**
